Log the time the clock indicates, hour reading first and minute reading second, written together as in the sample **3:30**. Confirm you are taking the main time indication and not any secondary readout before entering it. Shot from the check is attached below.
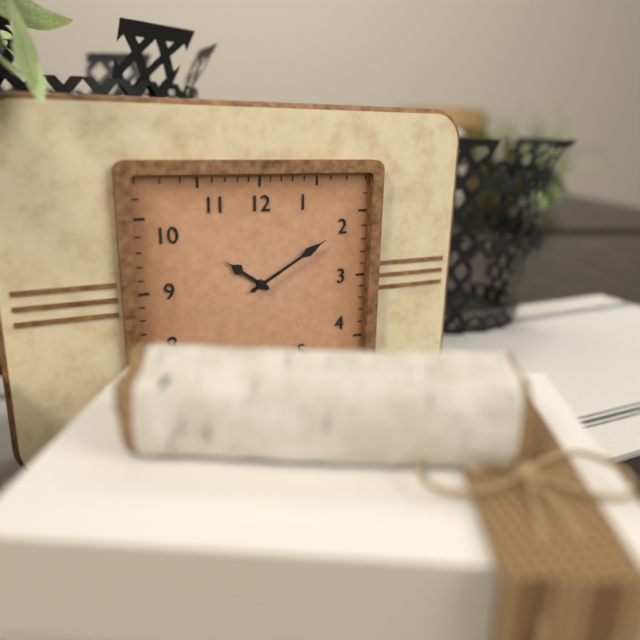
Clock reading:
**10:10**
